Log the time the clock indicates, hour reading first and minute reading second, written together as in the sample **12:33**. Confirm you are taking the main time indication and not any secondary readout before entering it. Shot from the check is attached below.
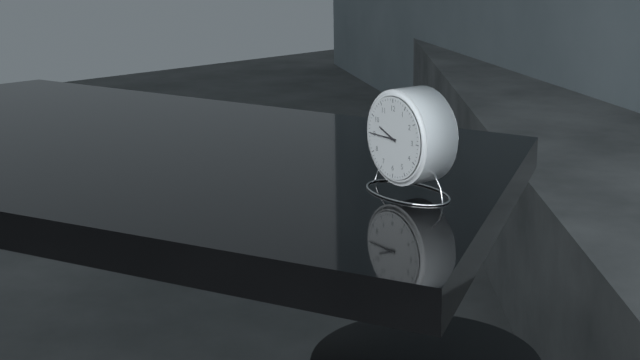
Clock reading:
**9:45**
